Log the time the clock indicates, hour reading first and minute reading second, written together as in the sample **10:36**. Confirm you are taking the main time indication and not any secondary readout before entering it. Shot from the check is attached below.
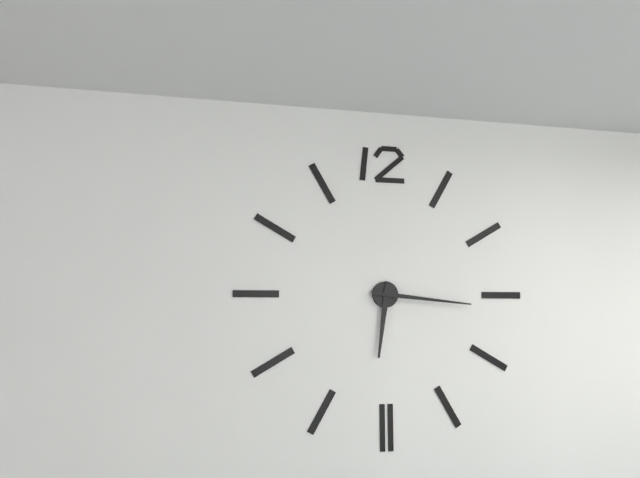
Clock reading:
**6:16**
